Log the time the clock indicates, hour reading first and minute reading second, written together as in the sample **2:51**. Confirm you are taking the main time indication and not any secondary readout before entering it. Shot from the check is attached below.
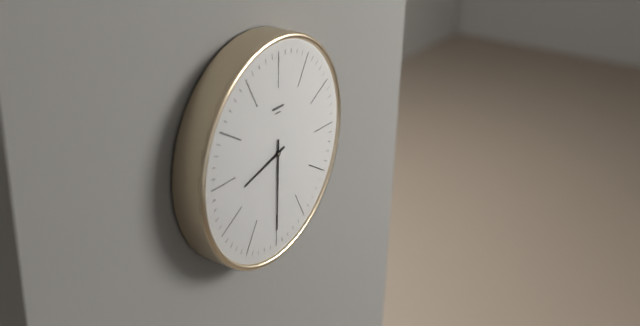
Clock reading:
**8:30**
